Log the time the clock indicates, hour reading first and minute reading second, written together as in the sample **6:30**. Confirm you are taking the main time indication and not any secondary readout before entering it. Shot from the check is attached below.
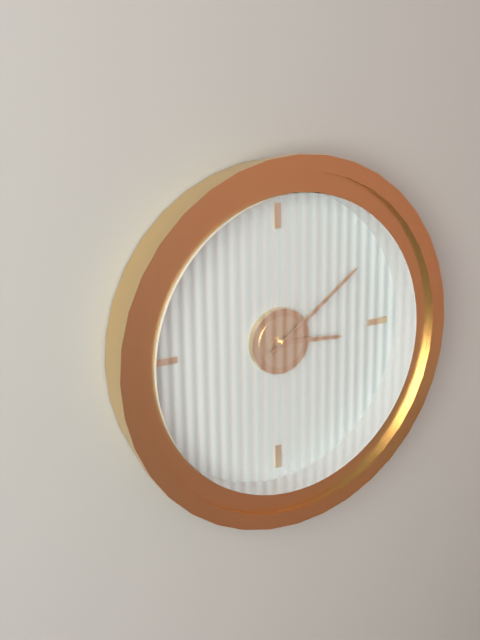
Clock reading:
**3:09**
